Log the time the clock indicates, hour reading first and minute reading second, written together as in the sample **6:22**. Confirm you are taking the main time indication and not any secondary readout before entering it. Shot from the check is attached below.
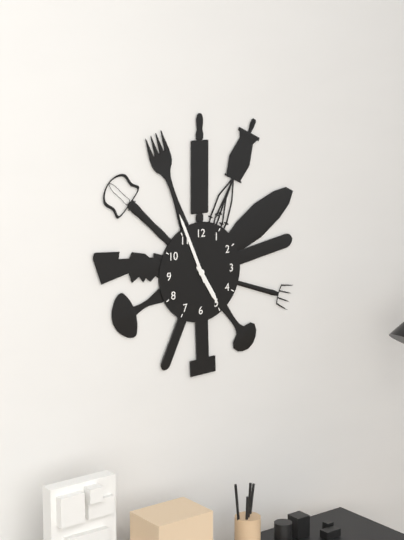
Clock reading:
**4:56**
